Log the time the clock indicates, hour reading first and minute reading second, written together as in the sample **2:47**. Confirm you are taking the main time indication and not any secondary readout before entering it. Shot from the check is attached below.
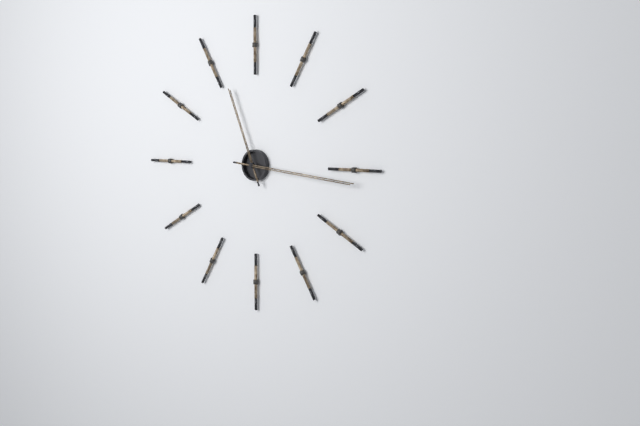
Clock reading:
**11:16**
